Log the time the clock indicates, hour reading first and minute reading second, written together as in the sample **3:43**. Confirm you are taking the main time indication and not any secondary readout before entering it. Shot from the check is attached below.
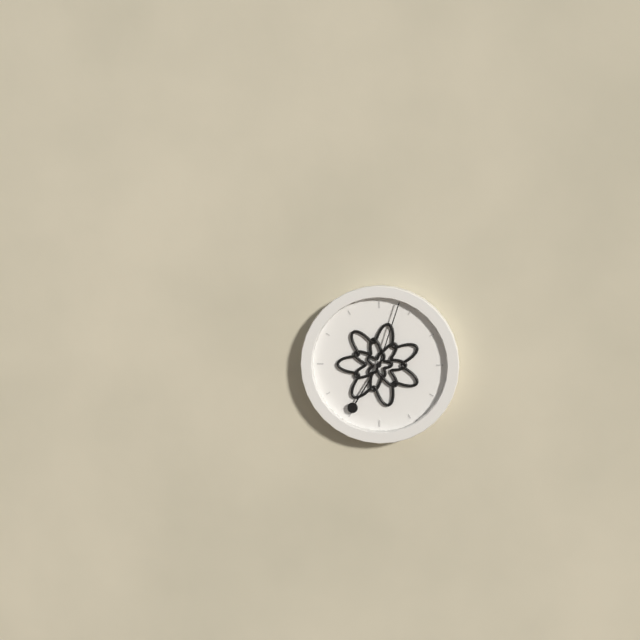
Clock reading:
**7:03**
